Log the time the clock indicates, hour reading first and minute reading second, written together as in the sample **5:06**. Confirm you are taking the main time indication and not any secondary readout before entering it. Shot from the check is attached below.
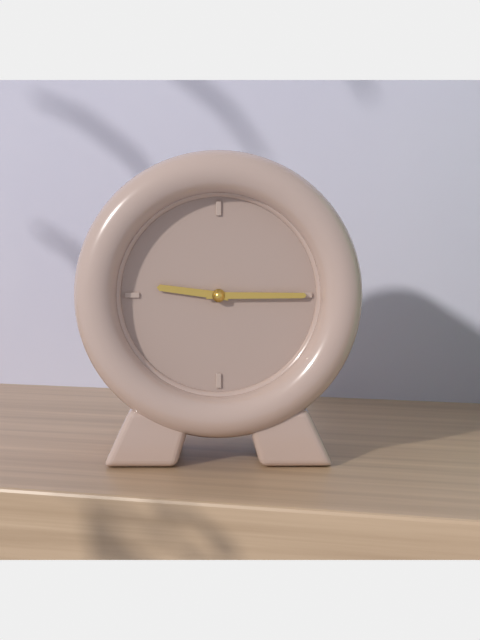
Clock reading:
**9:15**
